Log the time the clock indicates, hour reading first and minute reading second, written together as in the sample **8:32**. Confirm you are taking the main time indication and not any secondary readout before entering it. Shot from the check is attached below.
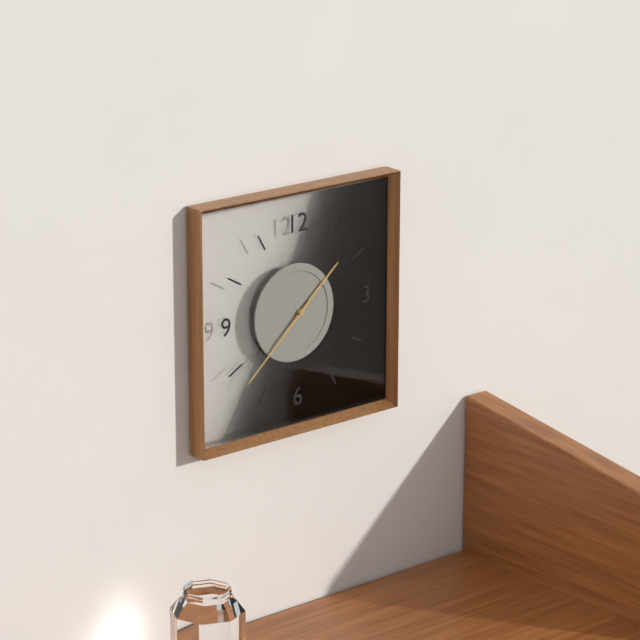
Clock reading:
**1:38**
